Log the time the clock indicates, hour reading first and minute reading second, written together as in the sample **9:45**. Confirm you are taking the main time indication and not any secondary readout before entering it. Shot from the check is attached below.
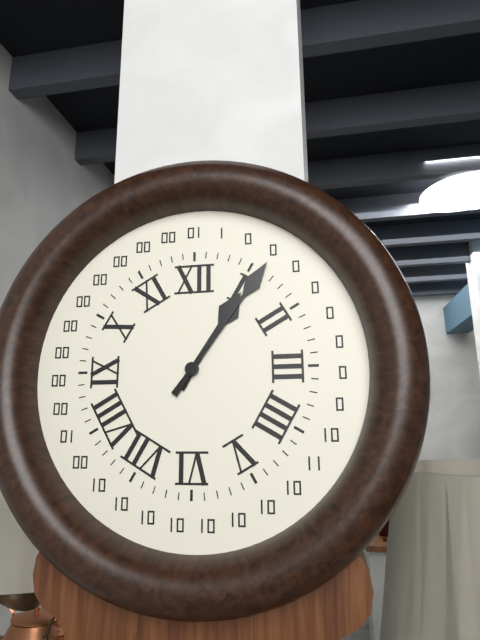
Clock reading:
**1:06**
